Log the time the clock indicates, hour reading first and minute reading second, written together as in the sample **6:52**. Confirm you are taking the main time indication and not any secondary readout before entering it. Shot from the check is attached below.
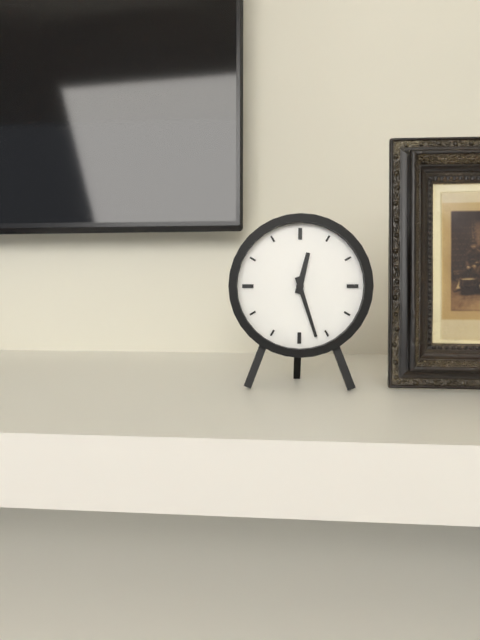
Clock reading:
**12:27**
